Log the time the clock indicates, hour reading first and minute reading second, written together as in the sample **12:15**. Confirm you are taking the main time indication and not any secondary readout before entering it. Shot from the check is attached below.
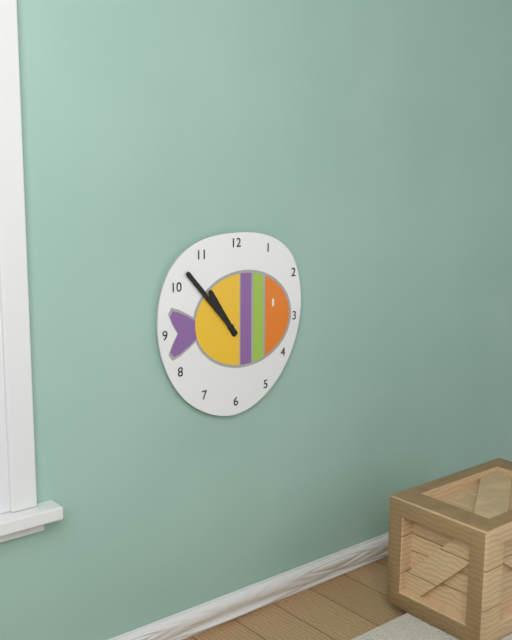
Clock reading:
**10:53**
